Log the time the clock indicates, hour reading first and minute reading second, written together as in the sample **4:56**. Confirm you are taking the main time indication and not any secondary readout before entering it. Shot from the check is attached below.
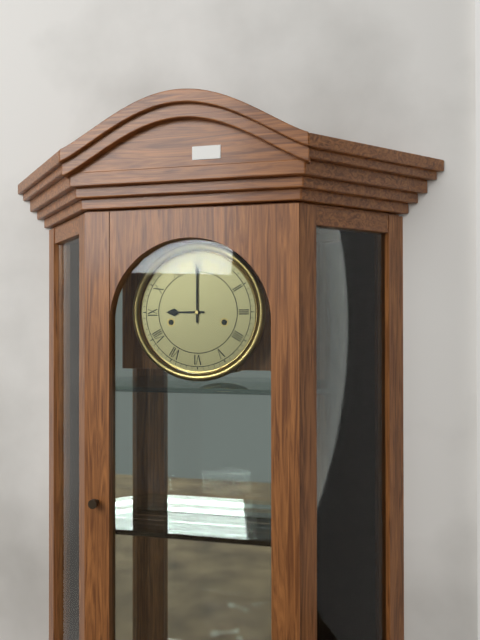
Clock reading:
**9:00**
